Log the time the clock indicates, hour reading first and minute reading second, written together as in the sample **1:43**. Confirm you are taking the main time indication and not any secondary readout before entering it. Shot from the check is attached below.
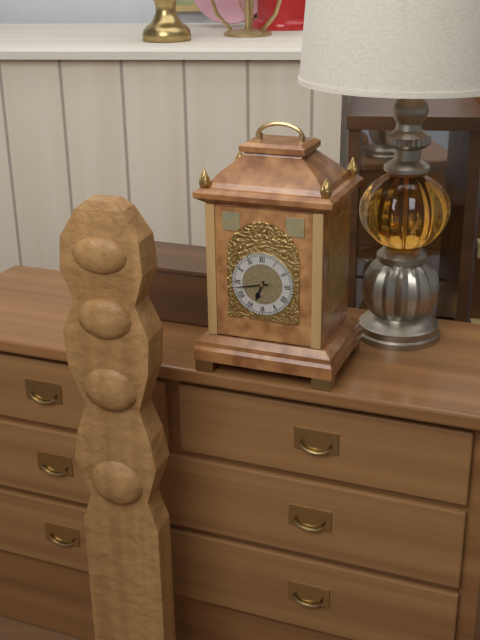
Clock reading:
**6:43**
